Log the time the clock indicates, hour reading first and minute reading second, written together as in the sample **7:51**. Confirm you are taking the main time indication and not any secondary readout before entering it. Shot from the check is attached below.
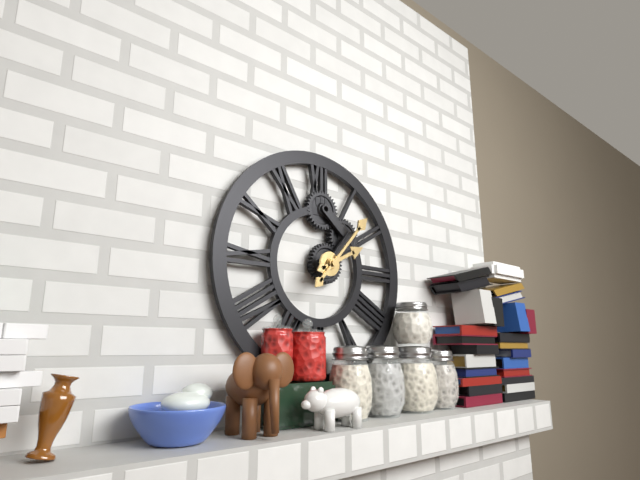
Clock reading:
**2:07**
